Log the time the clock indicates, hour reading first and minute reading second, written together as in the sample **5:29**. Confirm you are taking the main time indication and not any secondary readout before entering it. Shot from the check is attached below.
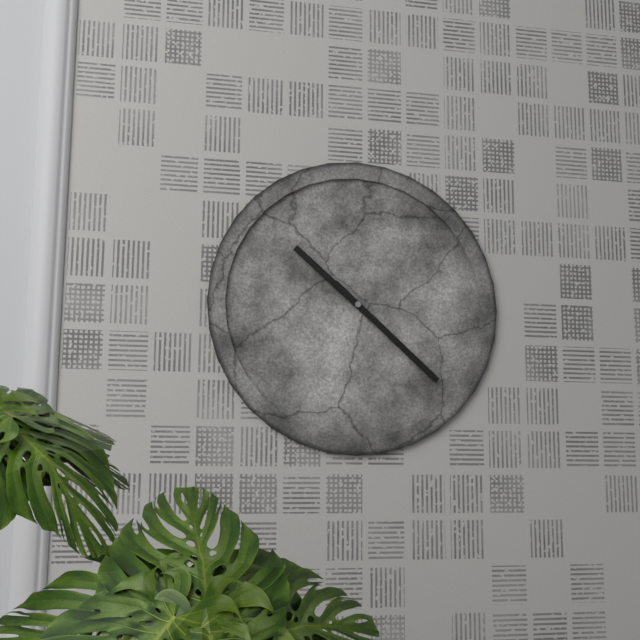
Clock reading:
**10:22**
